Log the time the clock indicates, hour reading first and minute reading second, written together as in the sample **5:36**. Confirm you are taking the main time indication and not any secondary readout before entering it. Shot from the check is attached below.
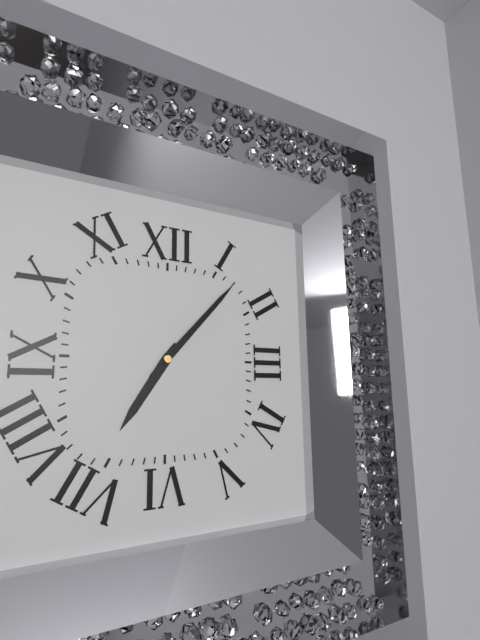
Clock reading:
**7:07**
